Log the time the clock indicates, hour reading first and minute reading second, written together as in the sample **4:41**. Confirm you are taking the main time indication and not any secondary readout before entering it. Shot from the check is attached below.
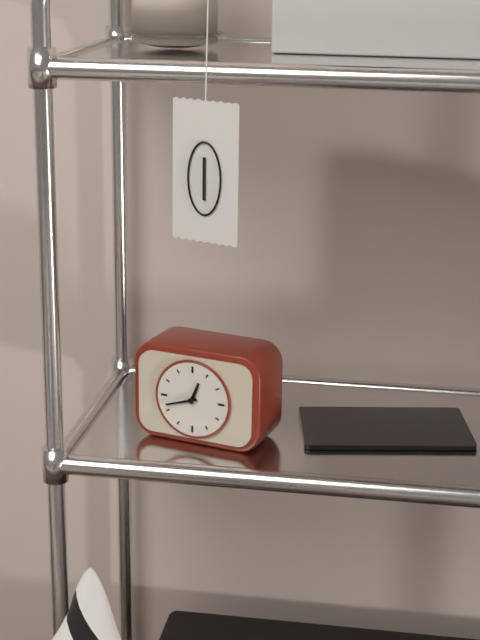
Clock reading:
**12:42**
